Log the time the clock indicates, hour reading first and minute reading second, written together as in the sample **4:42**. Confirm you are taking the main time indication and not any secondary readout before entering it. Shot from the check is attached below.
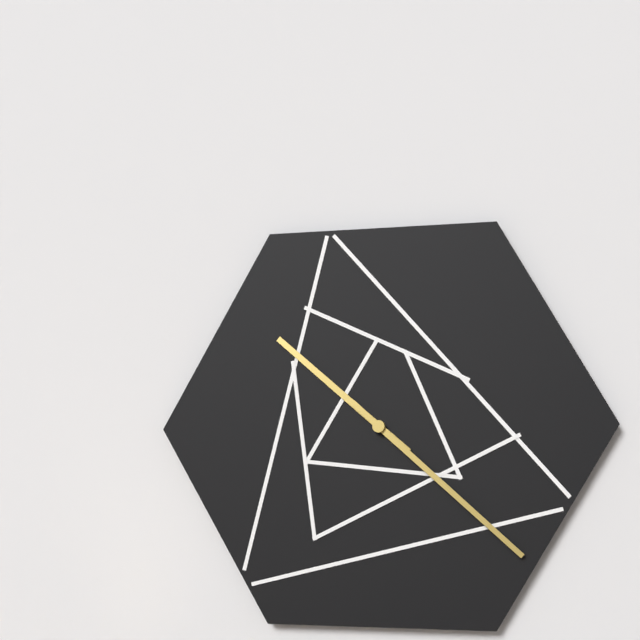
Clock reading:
**10:22**
